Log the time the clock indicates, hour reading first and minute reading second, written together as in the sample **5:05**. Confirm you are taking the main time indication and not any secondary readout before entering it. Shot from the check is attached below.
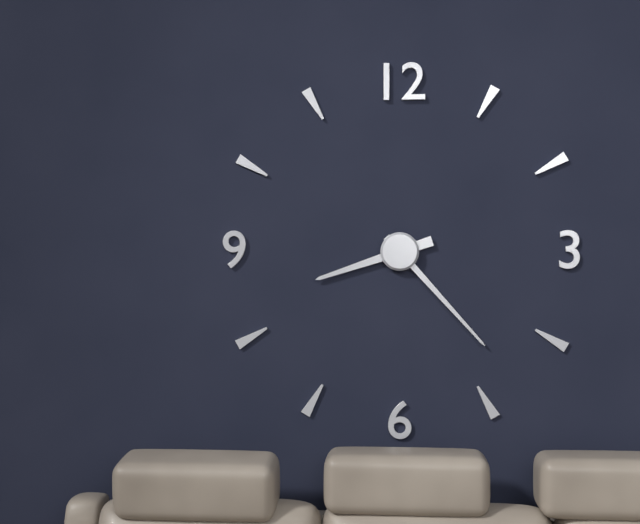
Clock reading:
**8:23**
